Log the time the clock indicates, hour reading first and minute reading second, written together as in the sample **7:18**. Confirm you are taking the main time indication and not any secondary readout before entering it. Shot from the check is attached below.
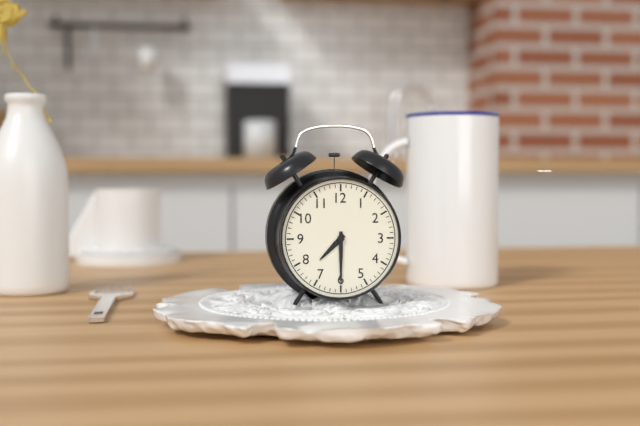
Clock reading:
**7:30**
